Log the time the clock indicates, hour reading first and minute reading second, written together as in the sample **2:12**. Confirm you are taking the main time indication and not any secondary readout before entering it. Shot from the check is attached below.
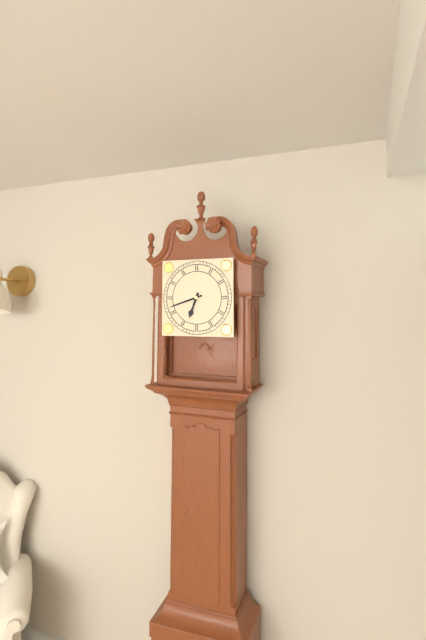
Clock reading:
**6:42**
